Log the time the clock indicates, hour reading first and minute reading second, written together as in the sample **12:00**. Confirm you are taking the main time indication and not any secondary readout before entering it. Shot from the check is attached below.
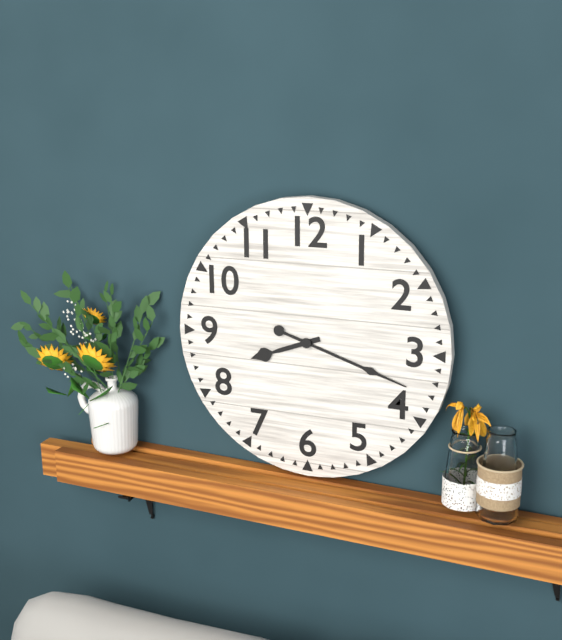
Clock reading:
**8:18**
